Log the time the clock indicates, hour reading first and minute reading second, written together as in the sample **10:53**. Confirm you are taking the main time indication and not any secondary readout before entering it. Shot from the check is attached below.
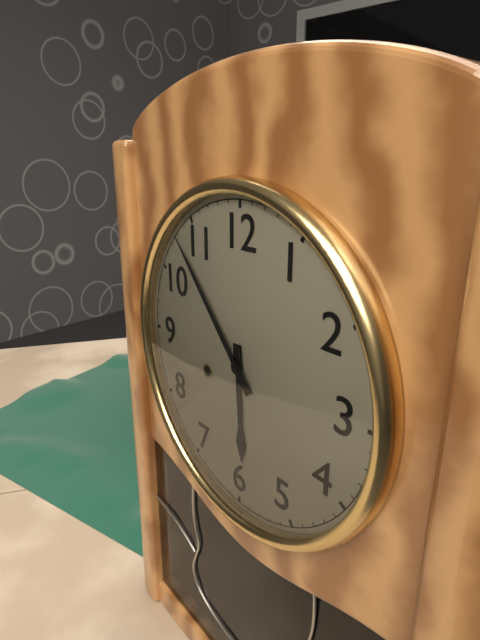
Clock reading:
**5:53**
